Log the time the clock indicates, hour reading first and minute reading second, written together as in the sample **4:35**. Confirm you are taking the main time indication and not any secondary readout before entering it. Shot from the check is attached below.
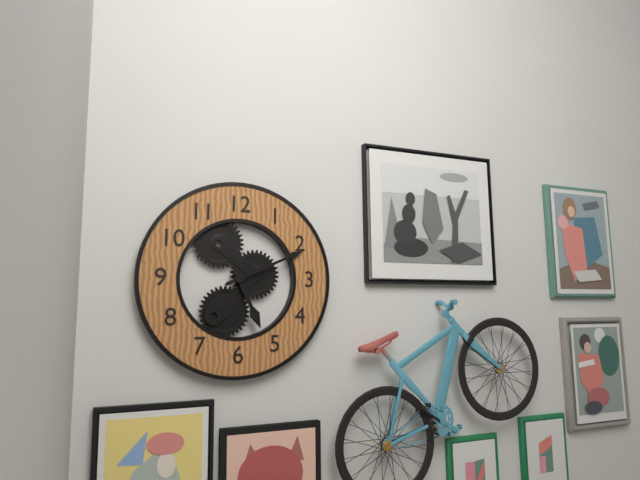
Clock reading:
**5:11**
